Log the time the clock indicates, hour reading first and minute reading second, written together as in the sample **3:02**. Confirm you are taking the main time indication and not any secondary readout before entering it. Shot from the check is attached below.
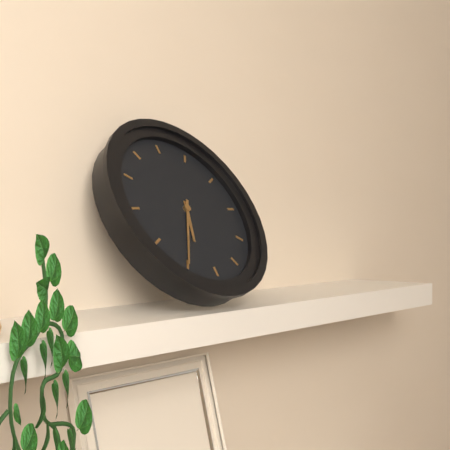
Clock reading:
**6:35**
